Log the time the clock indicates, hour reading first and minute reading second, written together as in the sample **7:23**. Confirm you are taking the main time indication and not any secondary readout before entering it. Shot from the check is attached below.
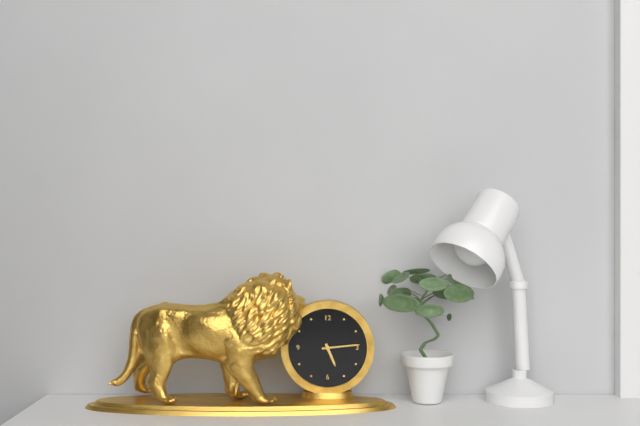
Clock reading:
**5:14**
